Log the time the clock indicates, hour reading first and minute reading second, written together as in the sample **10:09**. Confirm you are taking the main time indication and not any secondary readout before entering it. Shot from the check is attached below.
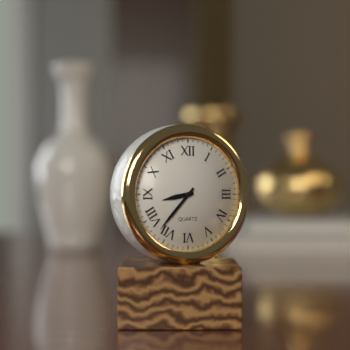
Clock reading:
**8:37**
